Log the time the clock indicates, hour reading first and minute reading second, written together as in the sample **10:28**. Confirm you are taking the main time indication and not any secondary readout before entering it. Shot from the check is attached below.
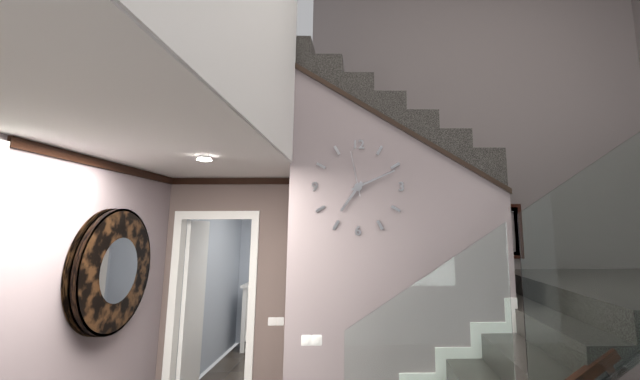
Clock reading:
**7:11**
